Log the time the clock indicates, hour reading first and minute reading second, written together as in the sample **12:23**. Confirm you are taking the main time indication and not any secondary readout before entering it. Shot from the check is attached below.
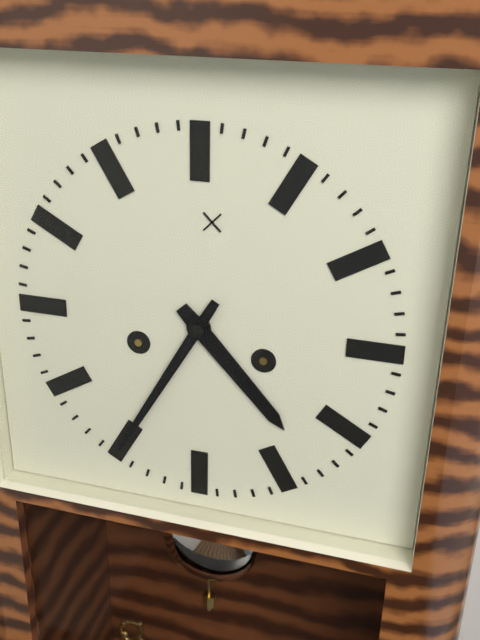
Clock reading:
**4:35**
